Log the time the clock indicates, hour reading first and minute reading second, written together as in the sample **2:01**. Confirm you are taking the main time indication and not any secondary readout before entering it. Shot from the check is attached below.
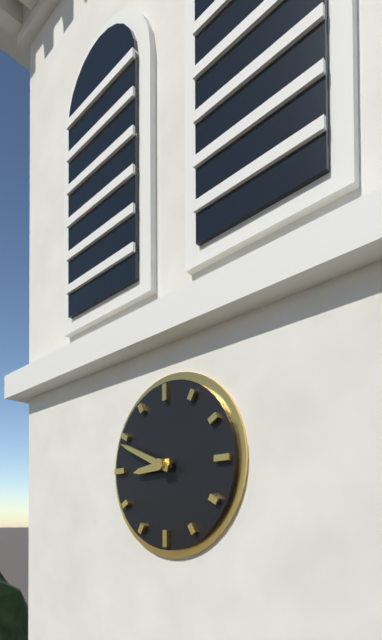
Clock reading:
**8:49**
